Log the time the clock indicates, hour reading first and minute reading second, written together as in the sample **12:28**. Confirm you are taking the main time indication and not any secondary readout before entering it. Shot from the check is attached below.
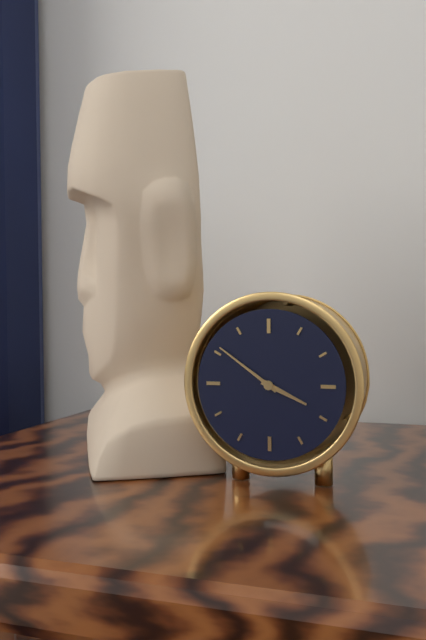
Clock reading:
**3:51**
